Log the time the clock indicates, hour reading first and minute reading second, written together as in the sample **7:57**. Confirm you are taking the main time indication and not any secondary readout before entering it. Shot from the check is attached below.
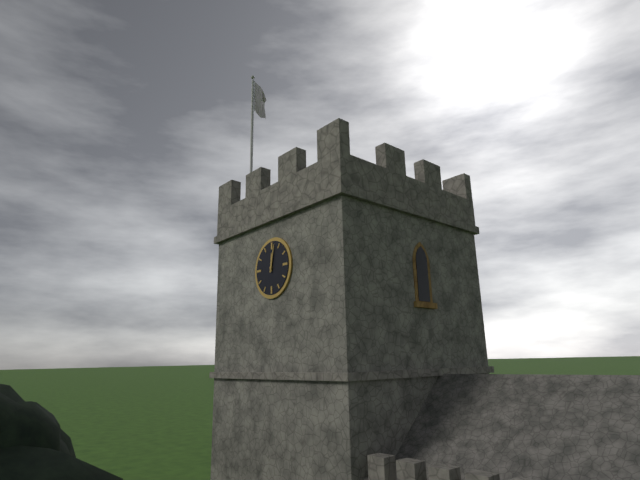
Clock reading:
**12:02**
